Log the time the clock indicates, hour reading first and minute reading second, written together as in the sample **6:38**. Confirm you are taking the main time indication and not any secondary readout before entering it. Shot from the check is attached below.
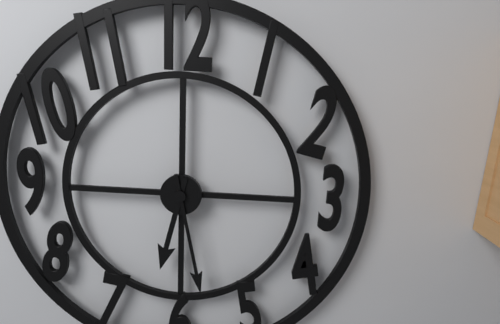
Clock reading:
**6:28**
